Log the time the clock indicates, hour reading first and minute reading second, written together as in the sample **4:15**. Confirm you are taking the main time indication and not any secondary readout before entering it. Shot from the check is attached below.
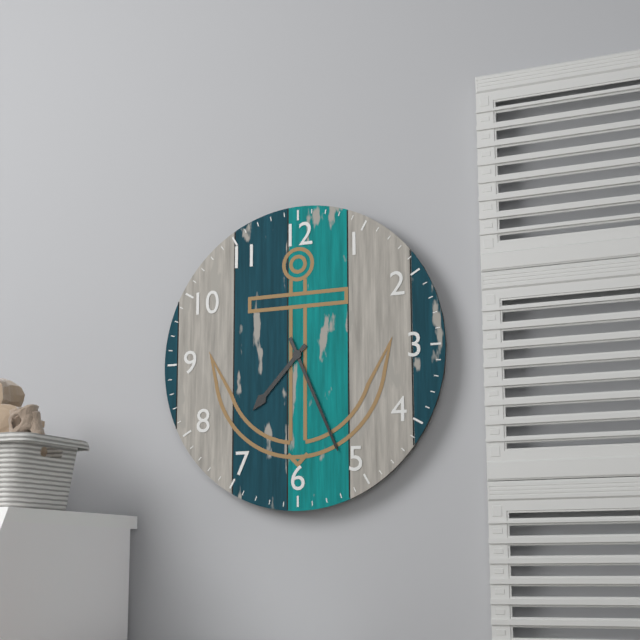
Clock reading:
**7:26**
